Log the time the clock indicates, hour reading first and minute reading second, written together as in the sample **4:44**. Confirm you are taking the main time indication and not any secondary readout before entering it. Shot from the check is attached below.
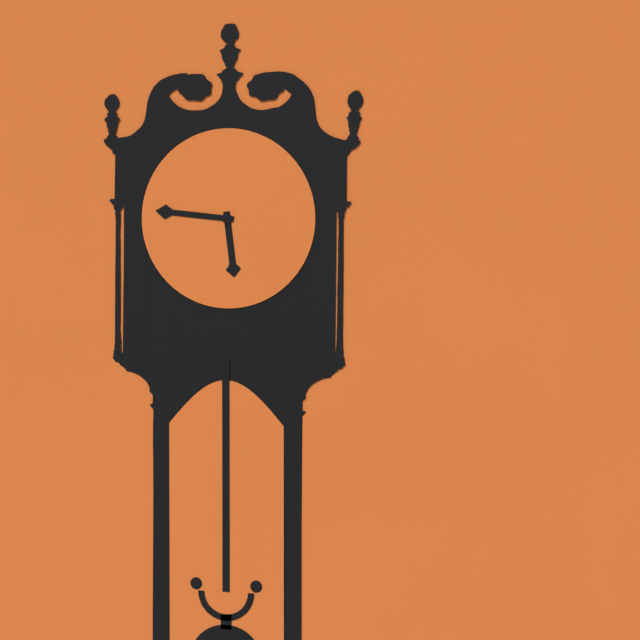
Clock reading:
**5:46**
